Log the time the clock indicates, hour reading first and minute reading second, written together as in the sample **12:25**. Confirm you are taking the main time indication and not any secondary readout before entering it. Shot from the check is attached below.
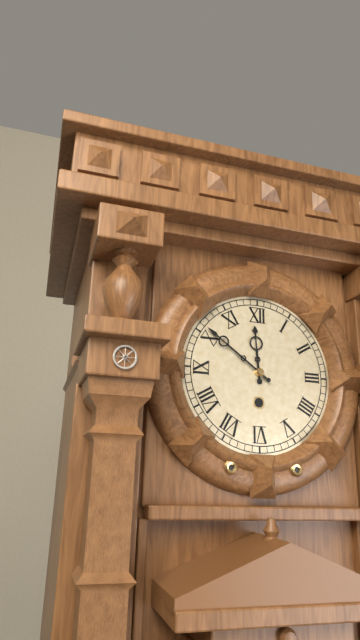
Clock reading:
**11:51**
